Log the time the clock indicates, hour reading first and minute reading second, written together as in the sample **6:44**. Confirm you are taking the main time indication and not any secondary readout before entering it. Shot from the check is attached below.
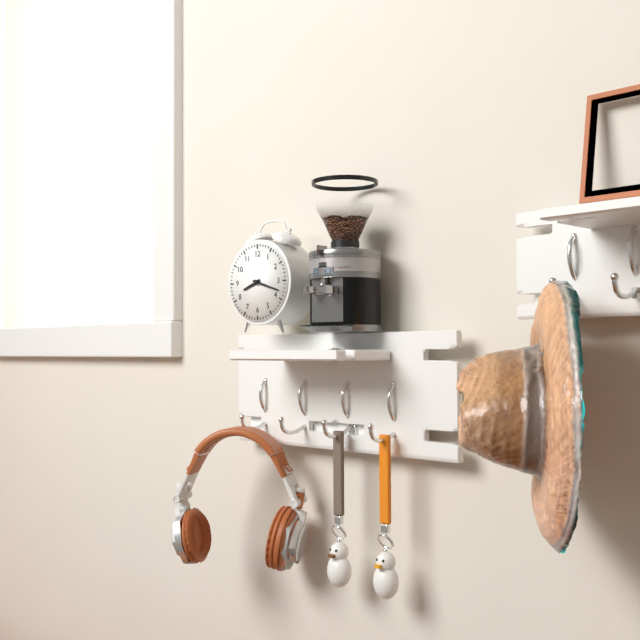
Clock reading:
**8:18**
